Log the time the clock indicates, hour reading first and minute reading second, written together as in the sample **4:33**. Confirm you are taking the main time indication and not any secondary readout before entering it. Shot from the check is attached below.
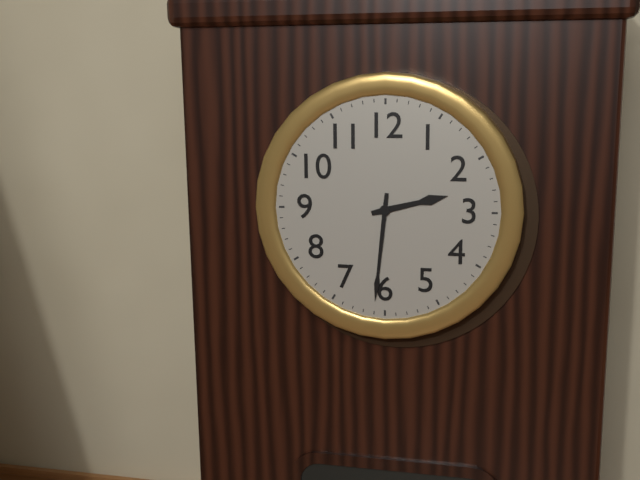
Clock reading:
**2:31**
